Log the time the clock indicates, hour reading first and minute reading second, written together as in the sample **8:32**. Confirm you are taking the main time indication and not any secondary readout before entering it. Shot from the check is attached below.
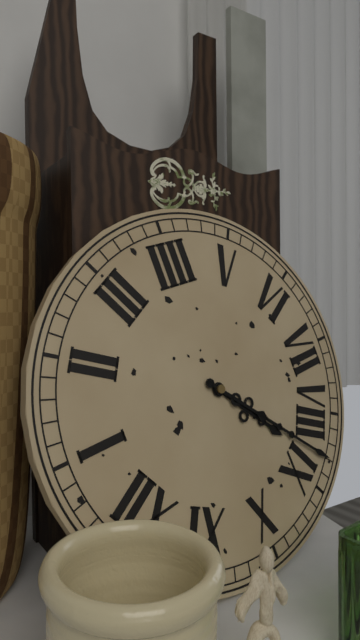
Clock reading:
**8:43**
